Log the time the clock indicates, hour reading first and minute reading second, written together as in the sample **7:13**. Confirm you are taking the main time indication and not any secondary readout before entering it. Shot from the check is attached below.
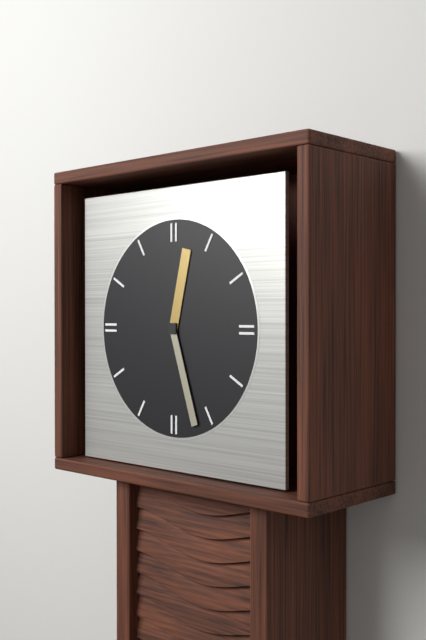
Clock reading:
**12:27**
